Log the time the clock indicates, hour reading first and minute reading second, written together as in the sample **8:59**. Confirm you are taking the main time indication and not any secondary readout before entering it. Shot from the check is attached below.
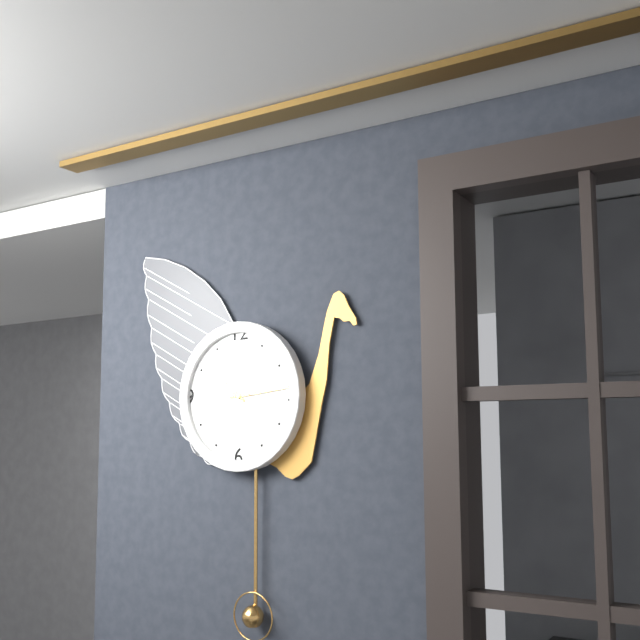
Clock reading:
**10:14**
